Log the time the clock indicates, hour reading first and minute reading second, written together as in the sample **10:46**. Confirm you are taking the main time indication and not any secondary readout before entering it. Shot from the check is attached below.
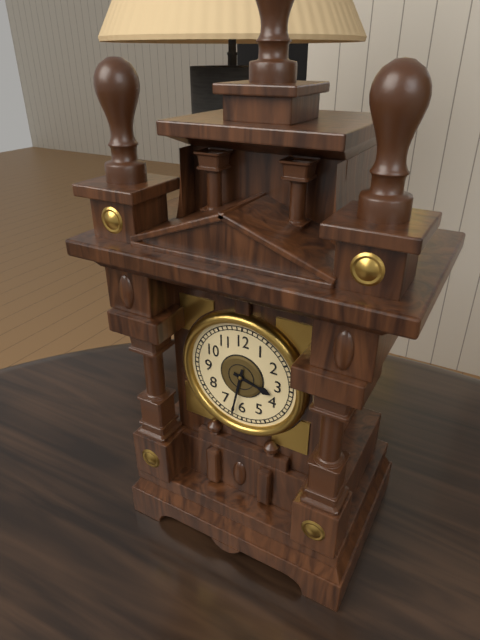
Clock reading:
**3:32**
